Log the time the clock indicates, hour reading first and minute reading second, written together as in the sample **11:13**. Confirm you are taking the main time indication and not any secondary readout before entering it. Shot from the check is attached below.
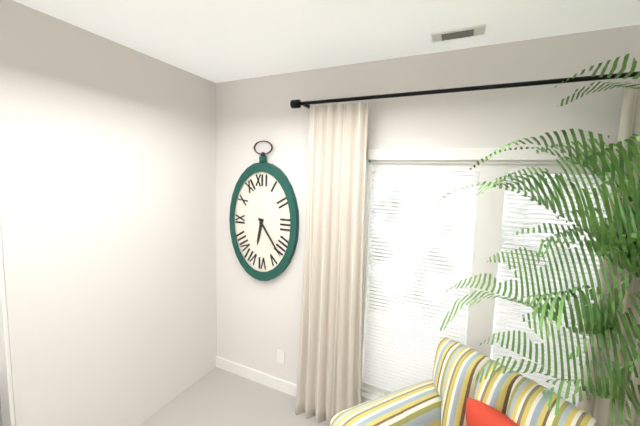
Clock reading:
**6:24**
